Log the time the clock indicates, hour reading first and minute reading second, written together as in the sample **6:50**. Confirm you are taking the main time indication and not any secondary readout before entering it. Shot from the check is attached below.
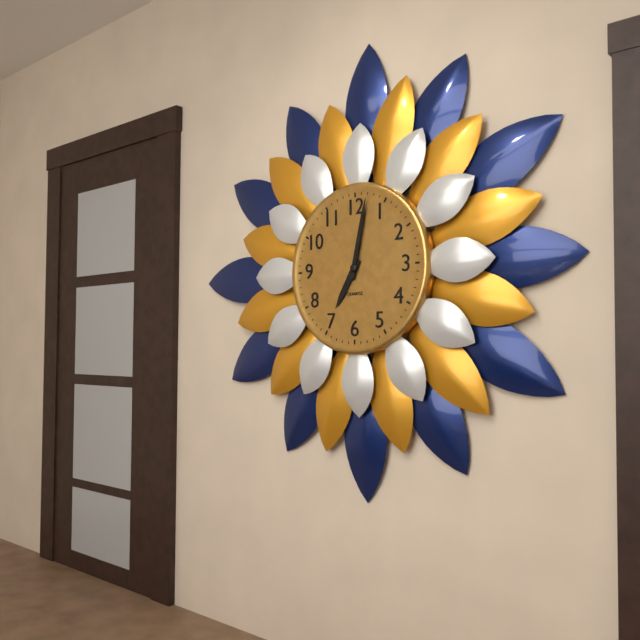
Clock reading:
**7:02**
